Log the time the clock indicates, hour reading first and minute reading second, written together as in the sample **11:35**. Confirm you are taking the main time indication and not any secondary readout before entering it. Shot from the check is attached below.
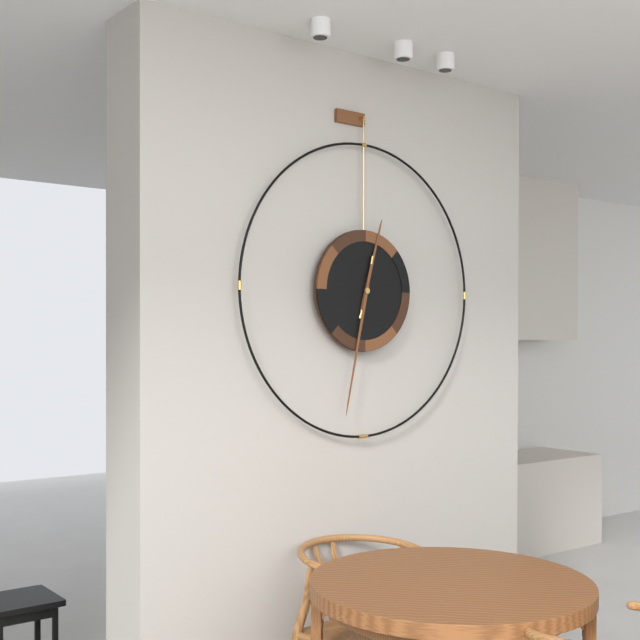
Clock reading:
**12:32**
